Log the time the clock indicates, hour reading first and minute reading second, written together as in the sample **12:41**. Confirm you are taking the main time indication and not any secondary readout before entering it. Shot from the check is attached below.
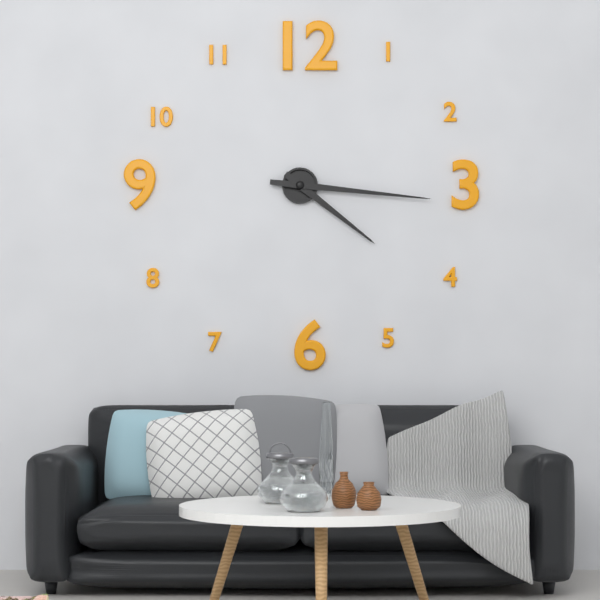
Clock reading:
**4:16**
